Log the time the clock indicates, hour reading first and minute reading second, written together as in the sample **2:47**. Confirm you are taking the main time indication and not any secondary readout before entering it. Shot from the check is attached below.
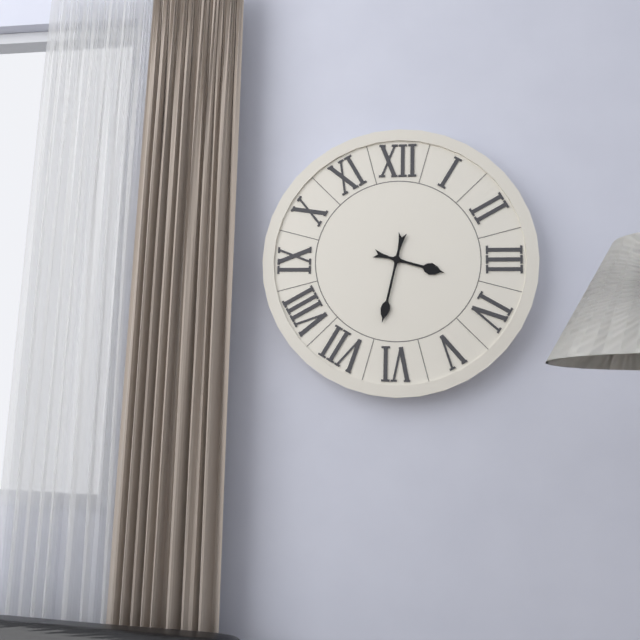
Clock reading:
**3:32**
